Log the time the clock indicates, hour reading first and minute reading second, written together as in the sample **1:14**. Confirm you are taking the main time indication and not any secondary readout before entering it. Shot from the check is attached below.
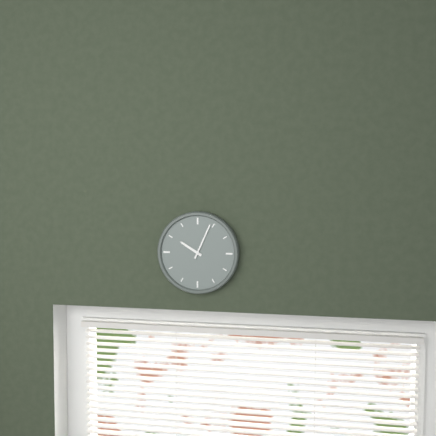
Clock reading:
**10:04**
